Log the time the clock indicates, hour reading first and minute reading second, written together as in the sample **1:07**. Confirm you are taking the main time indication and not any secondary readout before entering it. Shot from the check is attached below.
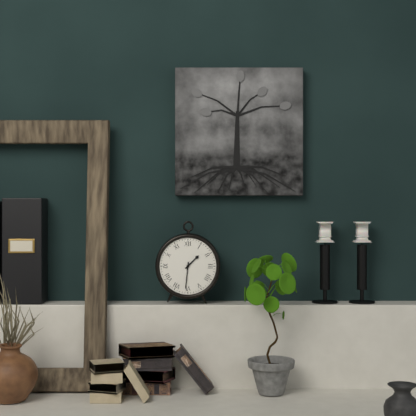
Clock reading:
**1:31**
